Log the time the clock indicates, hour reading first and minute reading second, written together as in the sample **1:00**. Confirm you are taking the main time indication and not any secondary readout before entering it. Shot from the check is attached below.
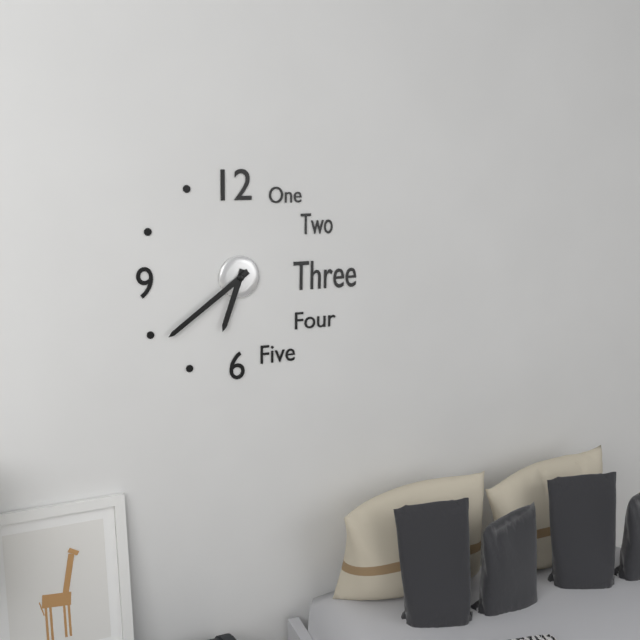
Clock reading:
**6:39**
